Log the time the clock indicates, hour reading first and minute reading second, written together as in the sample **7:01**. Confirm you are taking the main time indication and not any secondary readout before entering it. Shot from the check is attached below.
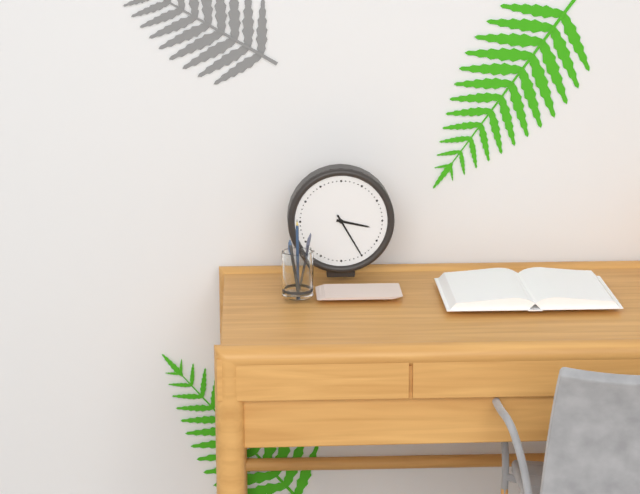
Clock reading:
**3:25**
